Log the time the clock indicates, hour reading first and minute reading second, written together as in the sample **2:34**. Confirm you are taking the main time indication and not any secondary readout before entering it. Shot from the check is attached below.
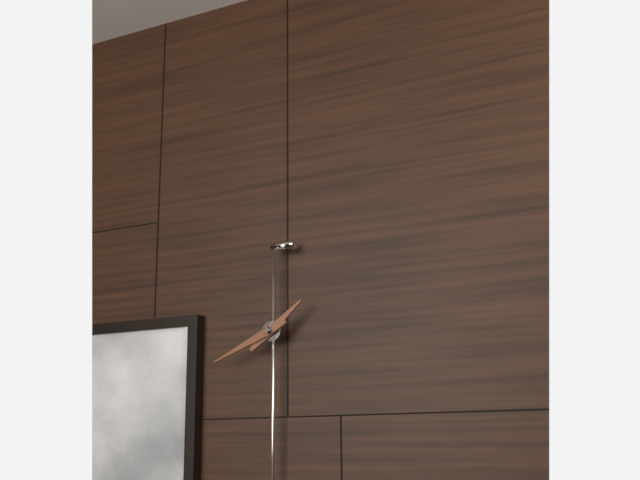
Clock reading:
**1:41**
